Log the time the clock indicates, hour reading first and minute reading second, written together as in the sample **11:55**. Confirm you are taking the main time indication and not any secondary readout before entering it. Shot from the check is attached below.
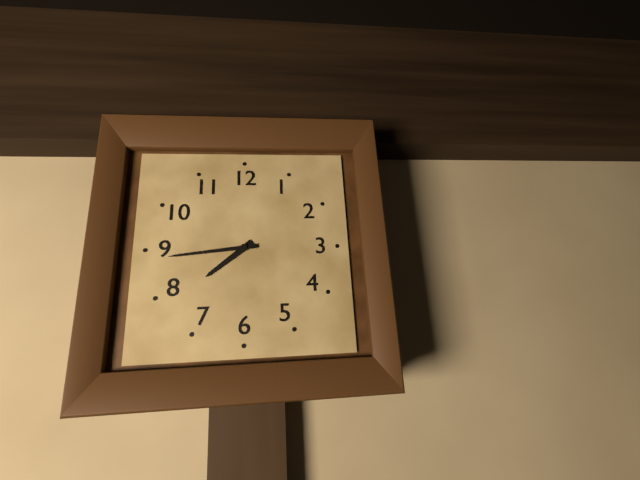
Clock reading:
**7:44**
